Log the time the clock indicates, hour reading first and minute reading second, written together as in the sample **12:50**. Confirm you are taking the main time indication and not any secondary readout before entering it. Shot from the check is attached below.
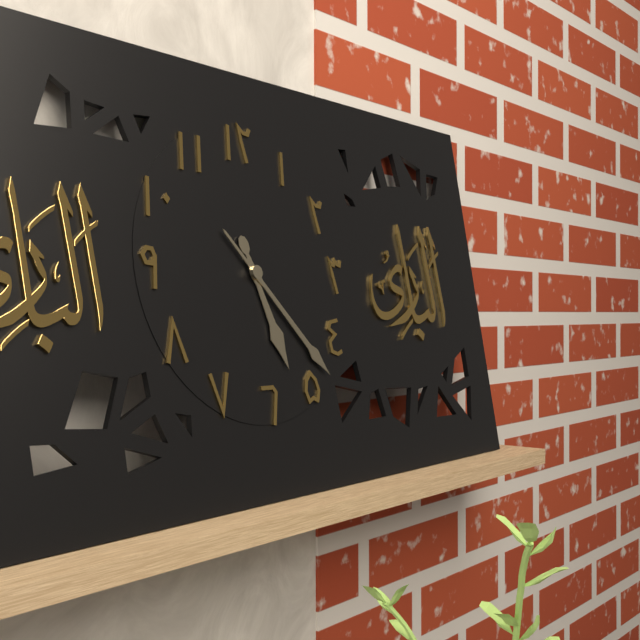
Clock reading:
**5:23**
